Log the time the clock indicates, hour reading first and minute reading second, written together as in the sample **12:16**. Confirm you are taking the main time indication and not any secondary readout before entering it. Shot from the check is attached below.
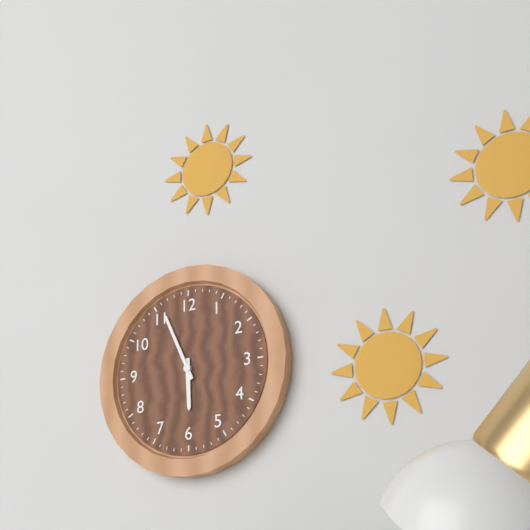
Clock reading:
**5:56**
